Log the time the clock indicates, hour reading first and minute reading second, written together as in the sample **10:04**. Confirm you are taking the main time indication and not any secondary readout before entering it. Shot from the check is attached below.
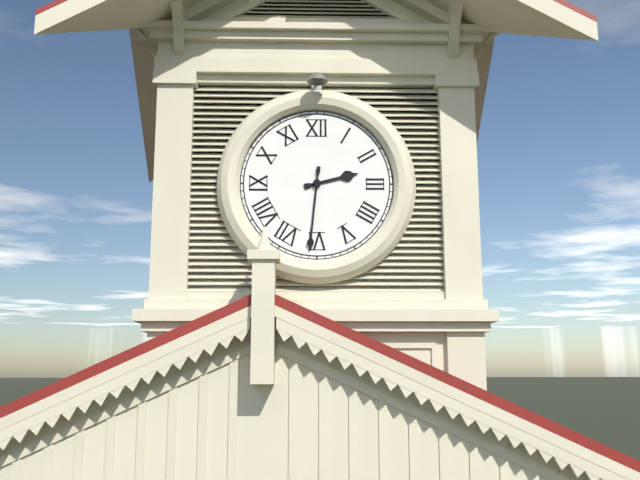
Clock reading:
**2:31**
